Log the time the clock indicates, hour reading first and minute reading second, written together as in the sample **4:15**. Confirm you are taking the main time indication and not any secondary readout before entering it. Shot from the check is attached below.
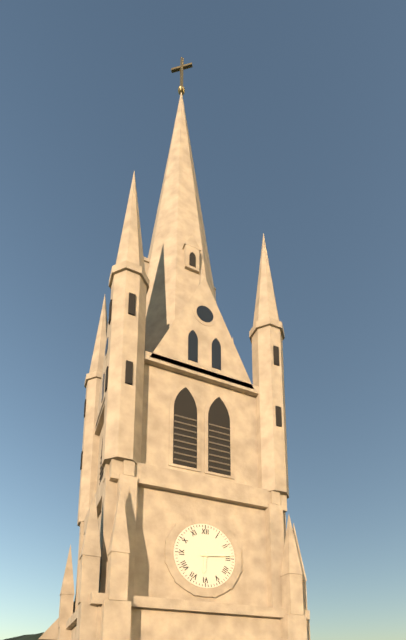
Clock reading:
**6:14**
